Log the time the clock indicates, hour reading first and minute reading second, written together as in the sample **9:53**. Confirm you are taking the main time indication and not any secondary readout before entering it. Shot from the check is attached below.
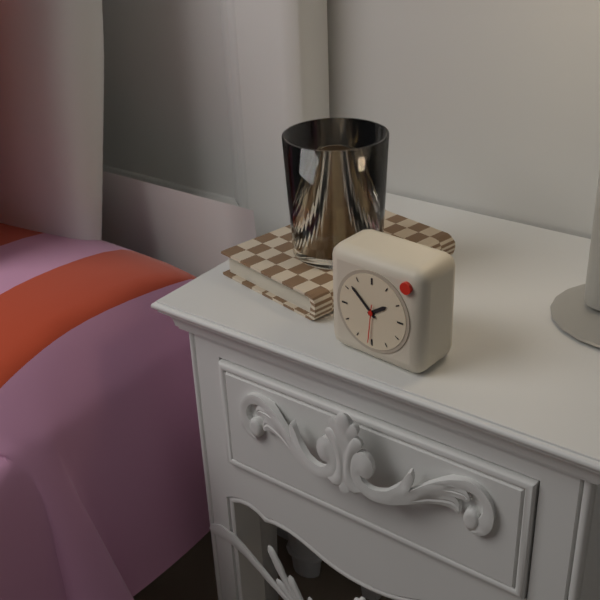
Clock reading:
**1:52**
